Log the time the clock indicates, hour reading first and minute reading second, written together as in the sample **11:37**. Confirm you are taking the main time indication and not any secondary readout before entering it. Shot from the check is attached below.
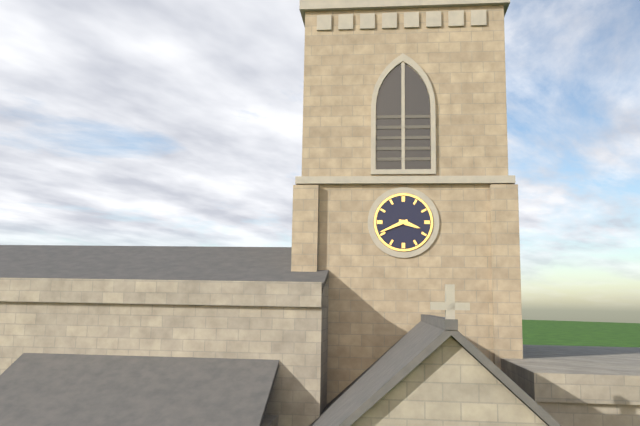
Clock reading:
**3:41**
